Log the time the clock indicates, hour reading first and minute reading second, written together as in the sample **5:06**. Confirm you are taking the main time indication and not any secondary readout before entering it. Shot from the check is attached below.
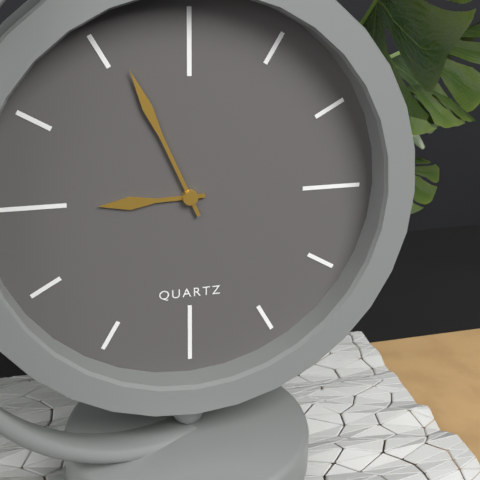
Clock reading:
**8:56**
